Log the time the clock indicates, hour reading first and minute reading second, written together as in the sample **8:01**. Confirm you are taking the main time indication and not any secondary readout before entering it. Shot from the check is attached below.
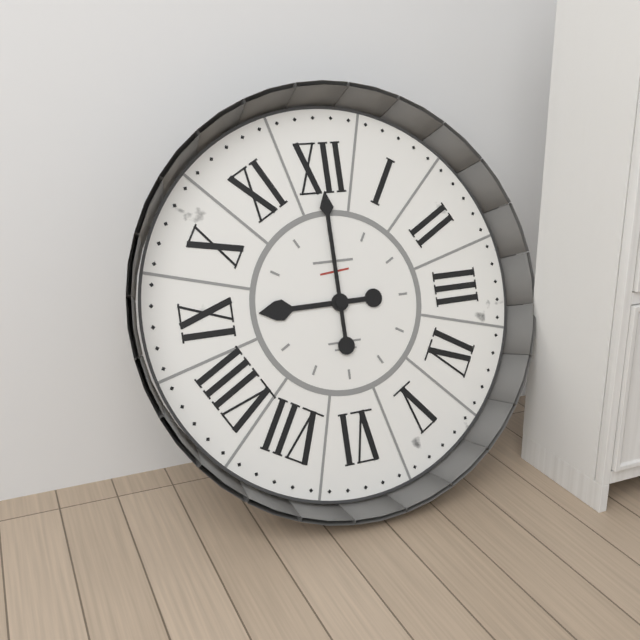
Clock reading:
**9:00**
